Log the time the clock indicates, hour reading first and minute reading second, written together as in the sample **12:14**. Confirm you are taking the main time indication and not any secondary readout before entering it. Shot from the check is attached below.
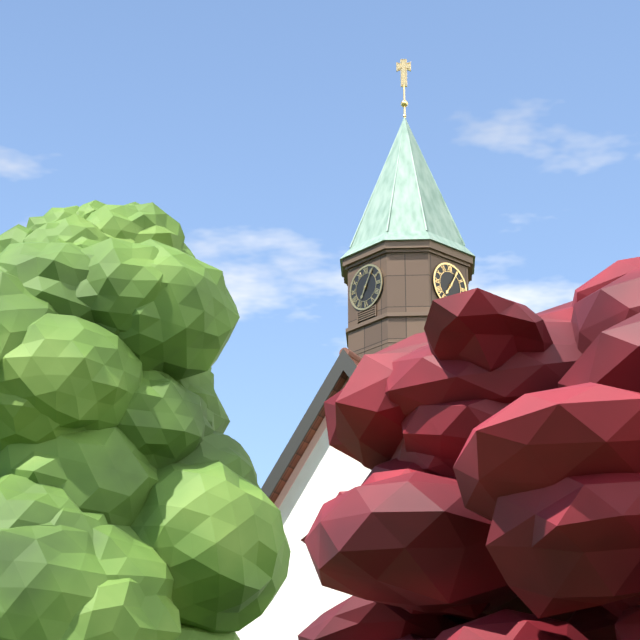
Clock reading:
**7:05**
